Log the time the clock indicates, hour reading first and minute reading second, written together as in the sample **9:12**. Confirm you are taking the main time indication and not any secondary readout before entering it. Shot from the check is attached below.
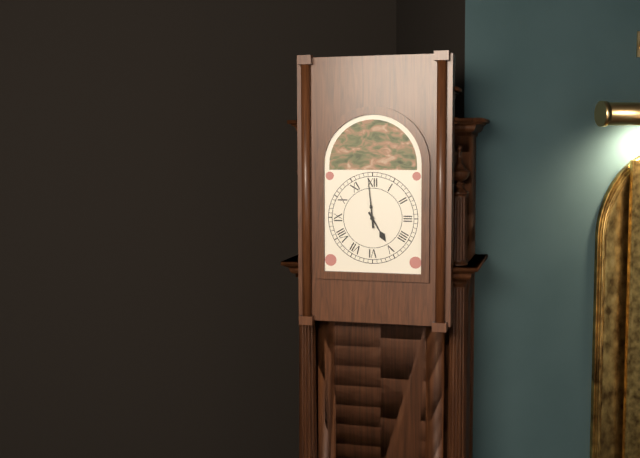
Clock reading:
**4:59**
